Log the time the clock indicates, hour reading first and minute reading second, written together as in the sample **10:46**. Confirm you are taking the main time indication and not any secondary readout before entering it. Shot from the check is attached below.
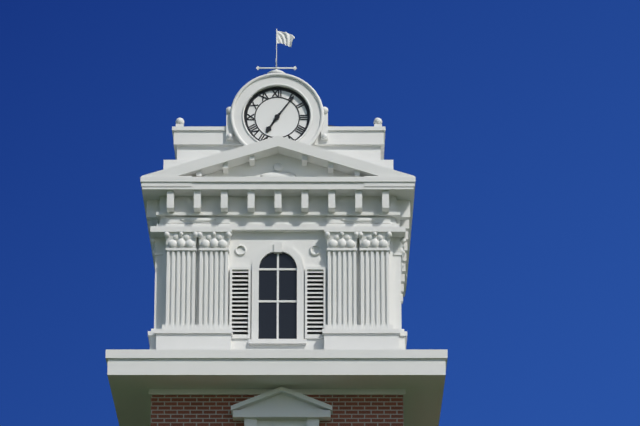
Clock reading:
**7:06**
